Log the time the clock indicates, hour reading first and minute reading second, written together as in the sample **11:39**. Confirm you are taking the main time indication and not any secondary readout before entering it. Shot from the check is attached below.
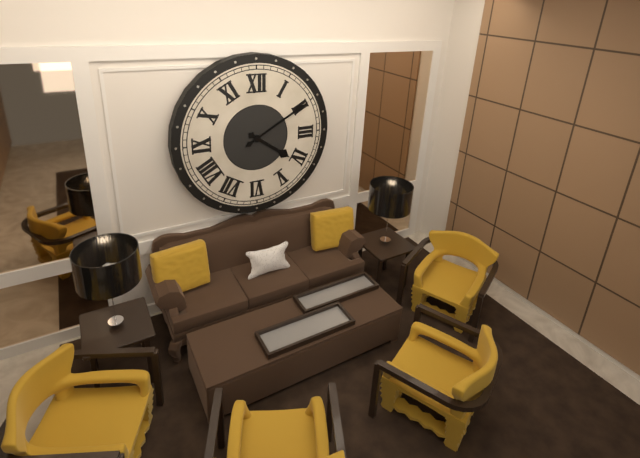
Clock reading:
**4:10**
